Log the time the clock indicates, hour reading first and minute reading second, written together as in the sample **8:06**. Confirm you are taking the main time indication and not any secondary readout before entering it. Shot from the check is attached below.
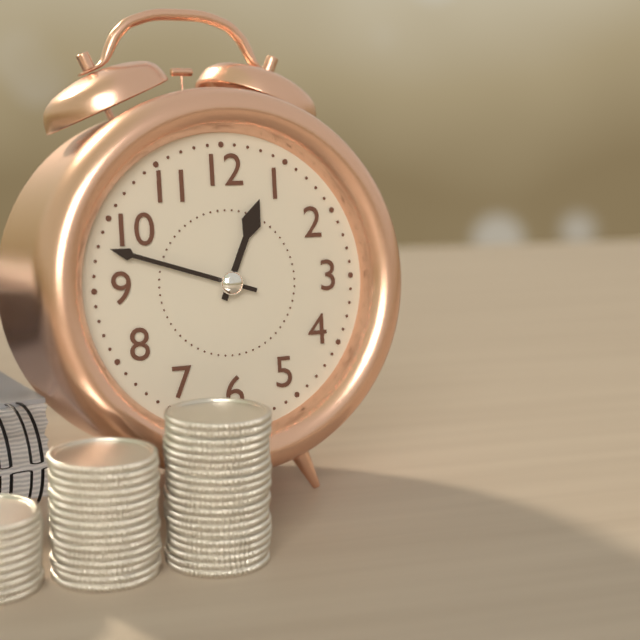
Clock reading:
**12:48**
